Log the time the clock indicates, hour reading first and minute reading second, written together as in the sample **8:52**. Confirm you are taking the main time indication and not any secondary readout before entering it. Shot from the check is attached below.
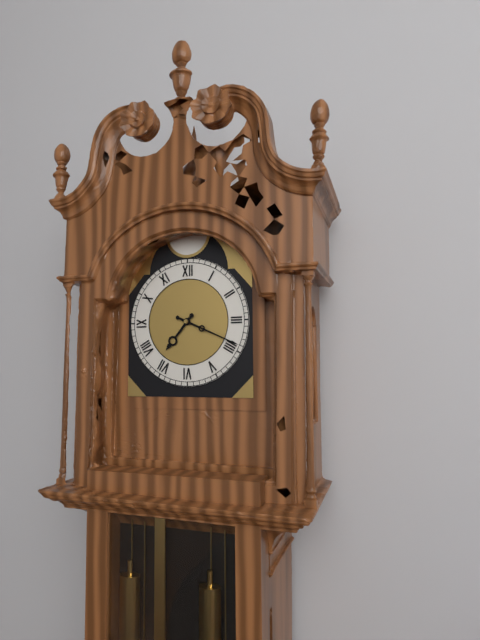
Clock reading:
**7:19**
